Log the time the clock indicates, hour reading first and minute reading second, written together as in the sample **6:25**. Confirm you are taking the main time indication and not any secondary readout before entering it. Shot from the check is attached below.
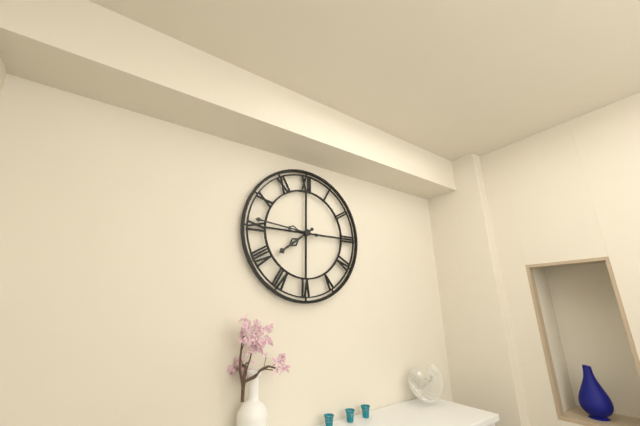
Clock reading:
**7:46**
